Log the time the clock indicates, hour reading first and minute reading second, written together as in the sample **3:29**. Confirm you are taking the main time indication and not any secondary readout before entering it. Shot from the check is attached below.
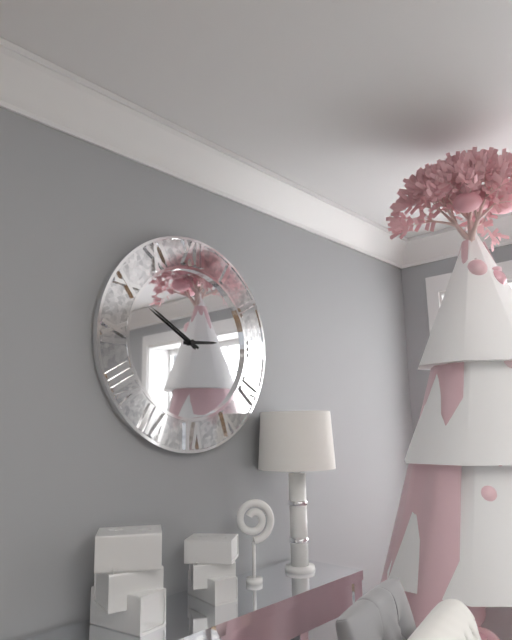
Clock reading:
**2:50**
